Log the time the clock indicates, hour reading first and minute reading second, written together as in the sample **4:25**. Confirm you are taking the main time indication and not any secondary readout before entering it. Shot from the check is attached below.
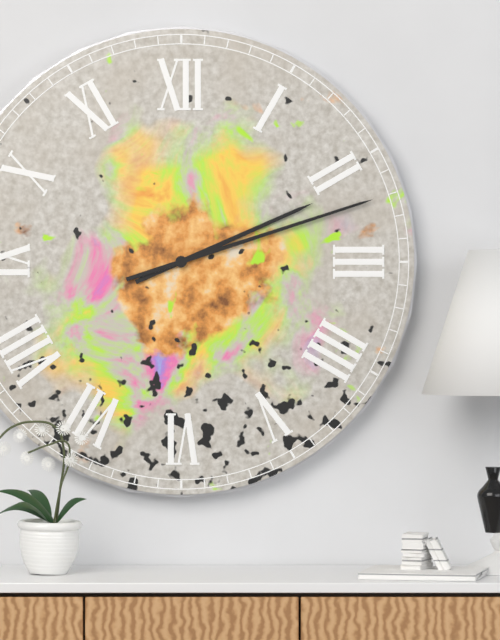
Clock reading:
**2:12**
